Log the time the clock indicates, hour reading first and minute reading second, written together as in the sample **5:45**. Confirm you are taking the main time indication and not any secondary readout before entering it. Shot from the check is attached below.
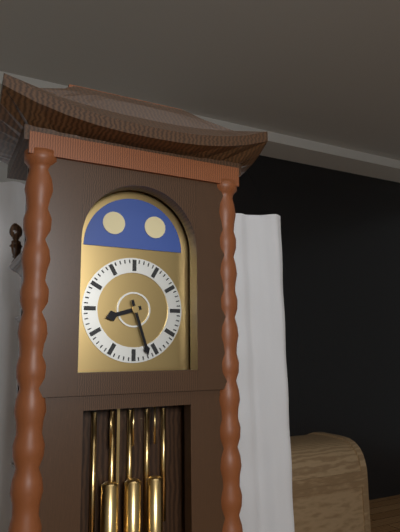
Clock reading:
**8:27**
